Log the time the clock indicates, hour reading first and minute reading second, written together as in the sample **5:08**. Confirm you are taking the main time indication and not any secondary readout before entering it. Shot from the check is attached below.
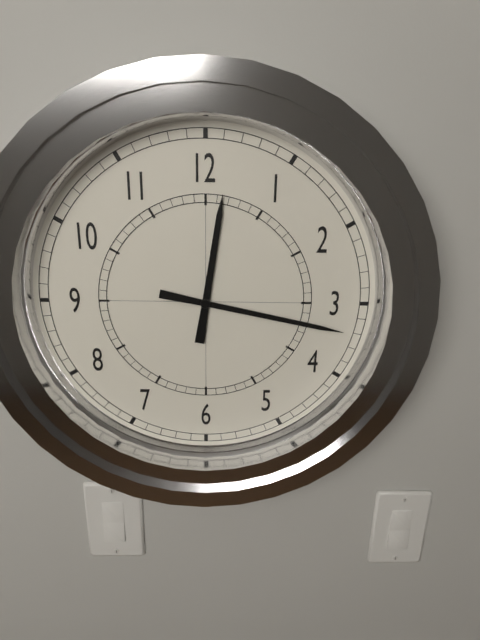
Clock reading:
**12:17**
